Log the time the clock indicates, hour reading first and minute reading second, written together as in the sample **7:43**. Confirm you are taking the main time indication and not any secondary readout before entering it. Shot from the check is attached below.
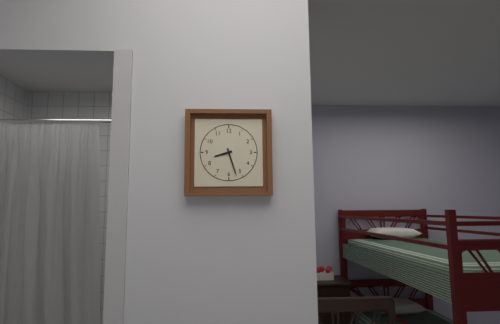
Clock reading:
**8:27**
